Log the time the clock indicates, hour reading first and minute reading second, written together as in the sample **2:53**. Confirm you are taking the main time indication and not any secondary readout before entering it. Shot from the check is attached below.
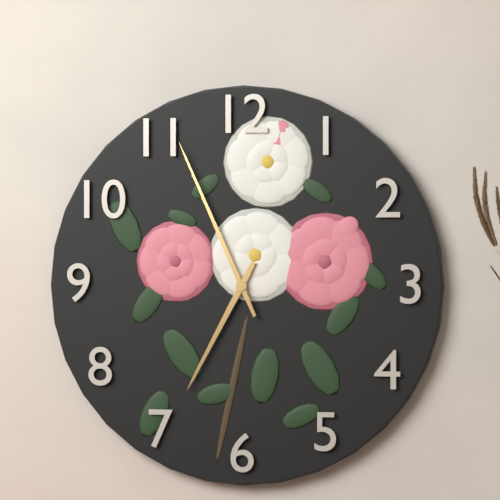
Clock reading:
**6:56**
